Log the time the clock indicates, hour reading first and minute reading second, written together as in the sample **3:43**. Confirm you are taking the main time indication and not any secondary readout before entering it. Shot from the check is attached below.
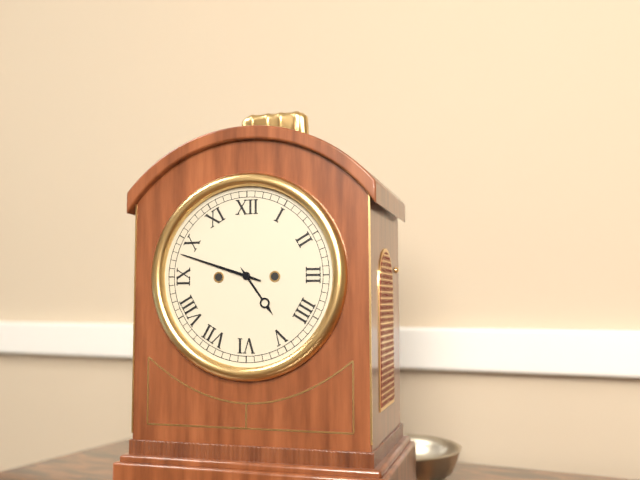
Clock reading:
**4:48**
